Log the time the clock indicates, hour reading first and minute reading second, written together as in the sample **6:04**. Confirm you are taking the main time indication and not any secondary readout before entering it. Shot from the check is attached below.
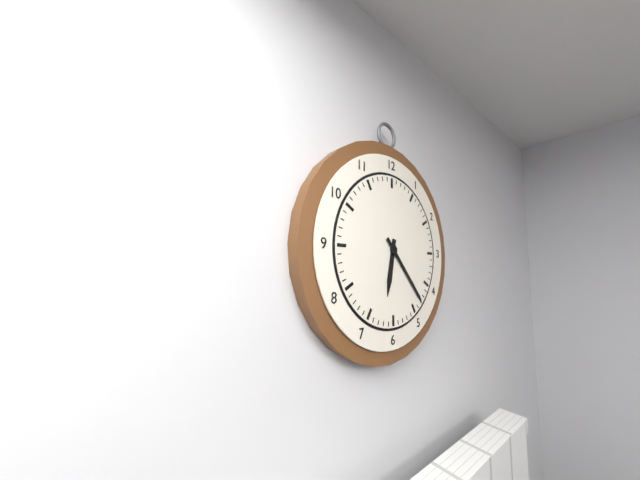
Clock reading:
**6:23**
